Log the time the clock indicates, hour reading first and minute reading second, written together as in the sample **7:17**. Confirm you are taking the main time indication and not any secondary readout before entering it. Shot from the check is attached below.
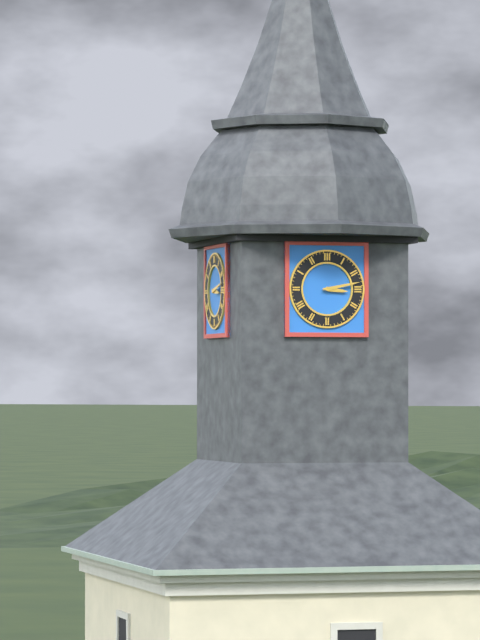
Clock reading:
**3:13**
